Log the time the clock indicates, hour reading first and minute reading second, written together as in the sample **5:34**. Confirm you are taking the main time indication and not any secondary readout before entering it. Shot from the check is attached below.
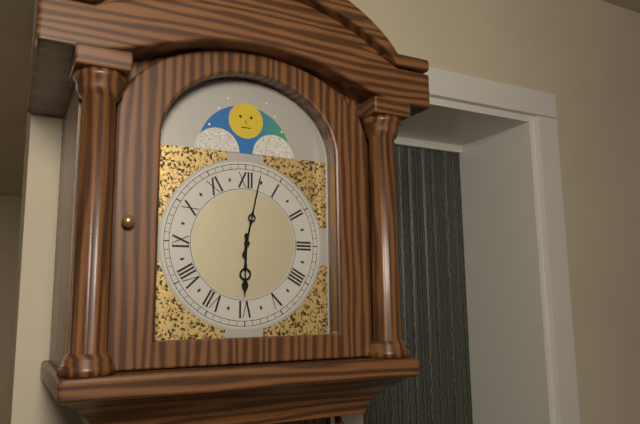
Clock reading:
**6:02**
